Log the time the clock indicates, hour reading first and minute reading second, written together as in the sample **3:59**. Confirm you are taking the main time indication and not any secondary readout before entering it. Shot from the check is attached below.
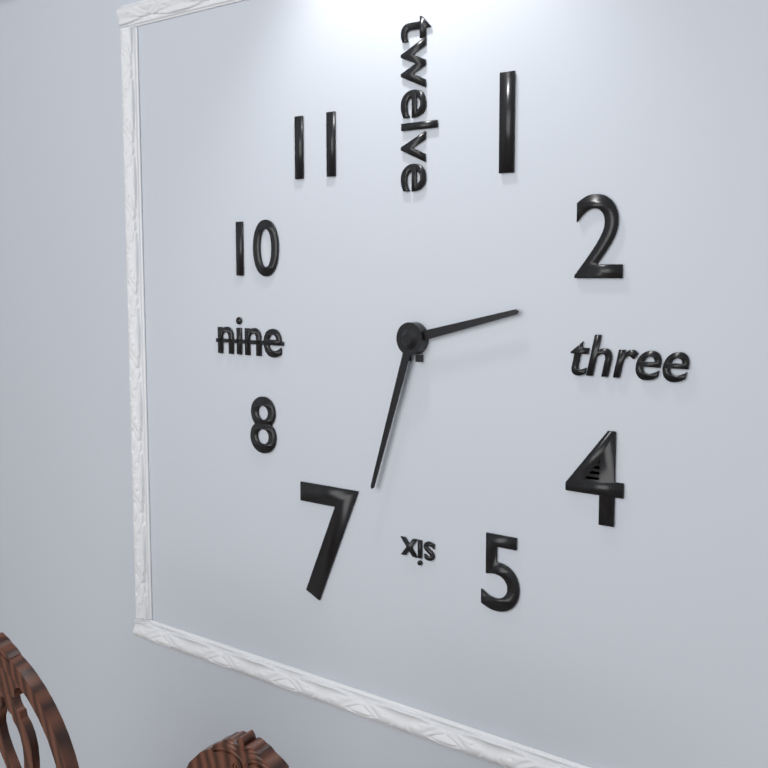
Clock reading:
**2:33**
